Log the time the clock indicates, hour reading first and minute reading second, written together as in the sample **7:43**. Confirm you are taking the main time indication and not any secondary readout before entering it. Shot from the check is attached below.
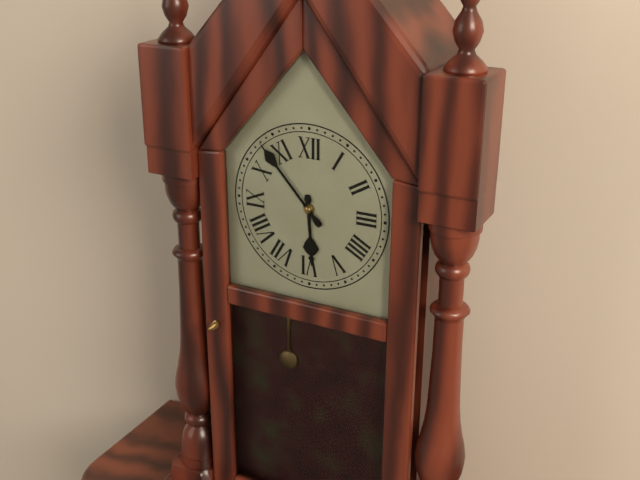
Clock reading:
**5:53**
